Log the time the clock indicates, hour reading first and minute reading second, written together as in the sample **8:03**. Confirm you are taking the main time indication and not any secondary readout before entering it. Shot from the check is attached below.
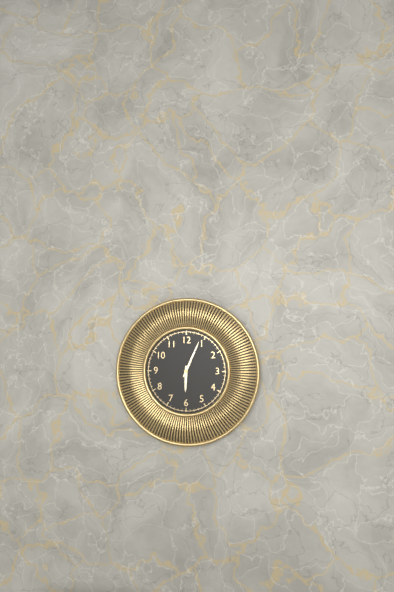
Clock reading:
**6:04**
